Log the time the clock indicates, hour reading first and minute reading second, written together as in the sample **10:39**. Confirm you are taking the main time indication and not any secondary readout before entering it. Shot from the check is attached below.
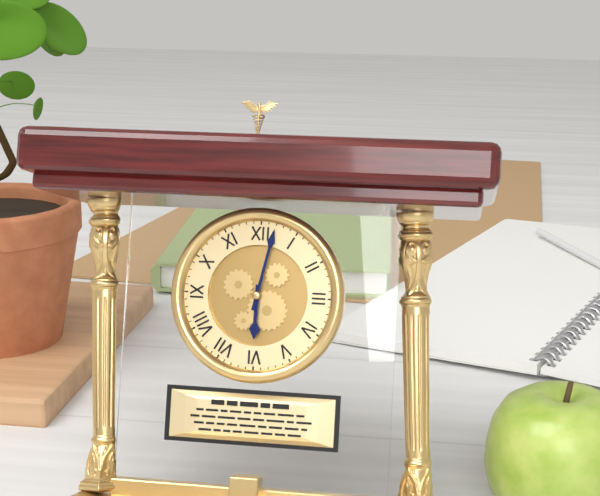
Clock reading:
**6:02**
